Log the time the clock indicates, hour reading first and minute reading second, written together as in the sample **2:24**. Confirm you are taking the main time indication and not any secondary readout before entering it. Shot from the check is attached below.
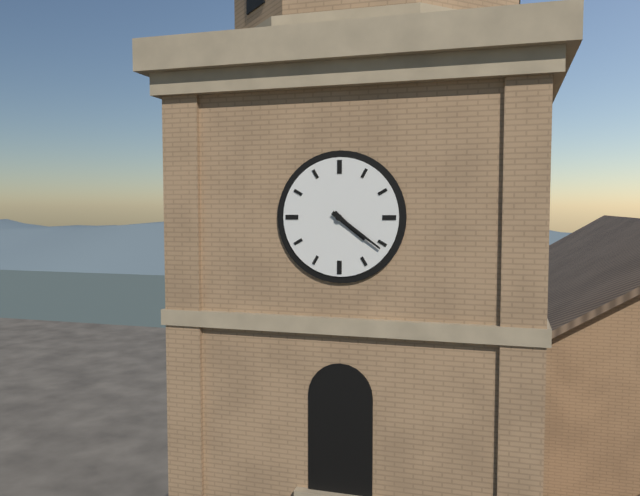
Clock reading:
**4:21**
